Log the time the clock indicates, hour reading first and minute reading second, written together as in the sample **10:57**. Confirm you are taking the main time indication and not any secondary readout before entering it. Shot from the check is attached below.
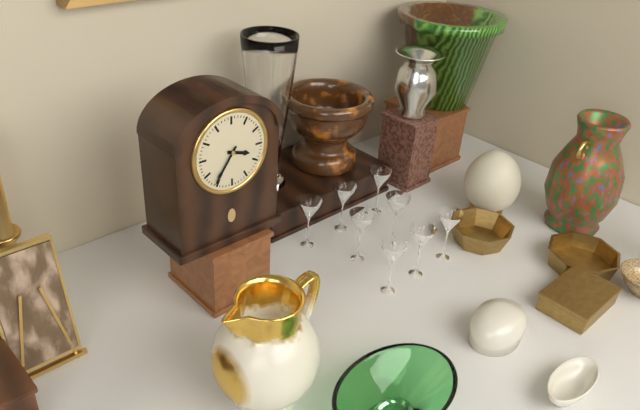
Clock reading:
**3:36**
